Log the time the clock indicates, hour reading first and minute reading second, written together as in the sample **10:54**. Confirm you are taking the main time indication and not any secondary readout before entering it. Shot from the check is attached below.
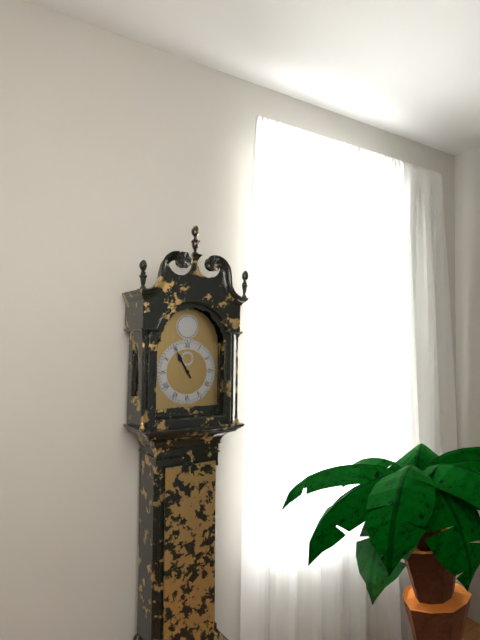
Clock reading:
**10:55**
